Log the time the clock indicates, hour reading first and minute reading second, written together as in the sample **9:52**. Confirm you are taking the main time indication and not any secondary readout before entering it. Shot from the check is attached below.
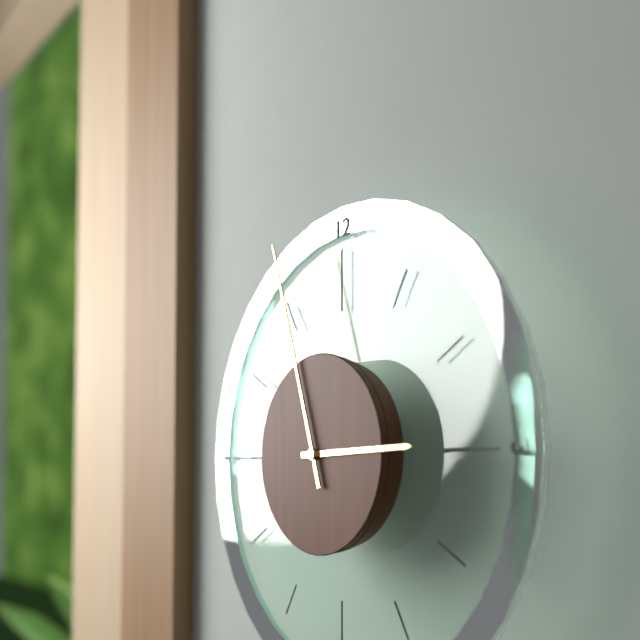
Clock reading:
**2:57**
